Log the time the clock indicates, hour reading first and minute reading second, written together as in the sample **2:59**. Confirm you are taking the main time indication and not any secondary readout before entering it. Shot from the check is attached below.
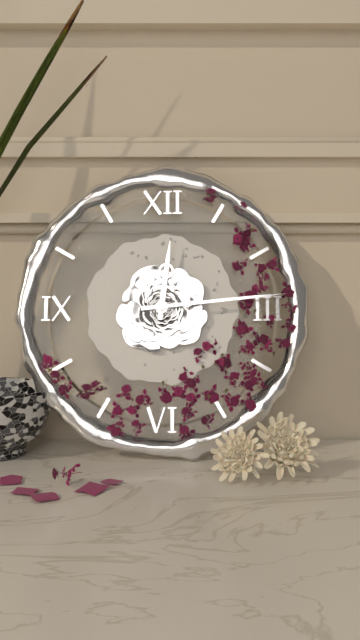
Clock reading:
**12:14**
